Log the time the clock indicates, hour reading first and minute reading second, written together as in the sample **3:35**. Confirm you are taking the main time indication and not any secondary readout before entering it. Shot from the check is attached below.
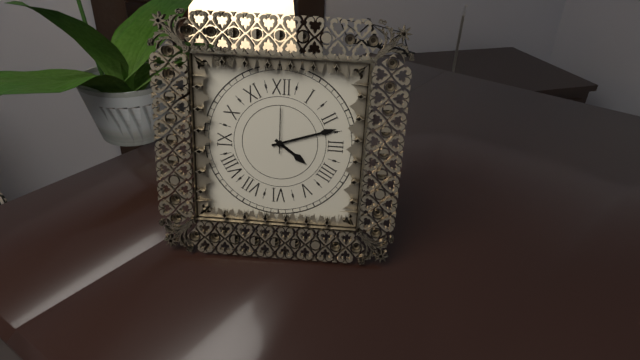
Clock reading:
**4:12**
